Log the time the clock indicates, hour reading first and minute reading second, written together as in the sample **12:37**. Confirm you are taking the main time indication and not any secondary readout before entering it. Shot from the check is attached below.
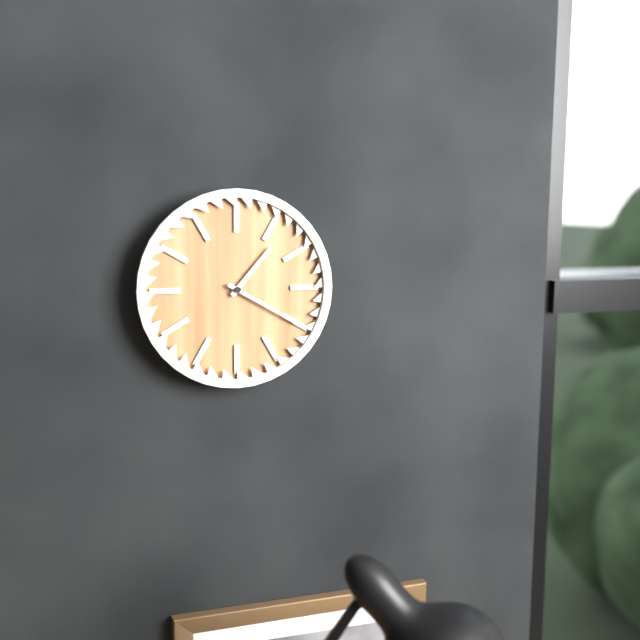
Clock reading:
**1:20**
